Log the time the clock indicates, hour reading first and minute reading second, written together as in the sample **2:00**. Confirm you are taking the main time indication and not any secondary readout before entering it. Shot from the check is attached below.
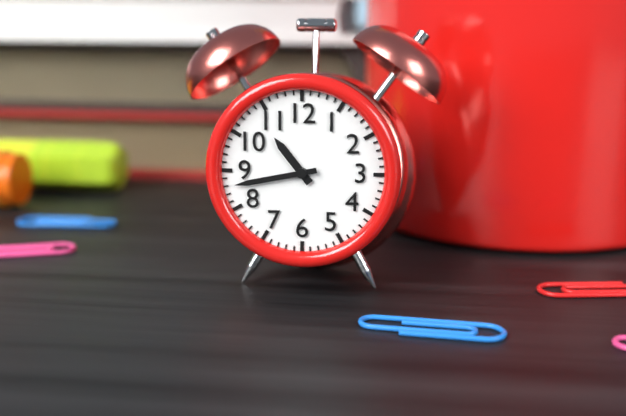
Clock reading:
**10:43**
